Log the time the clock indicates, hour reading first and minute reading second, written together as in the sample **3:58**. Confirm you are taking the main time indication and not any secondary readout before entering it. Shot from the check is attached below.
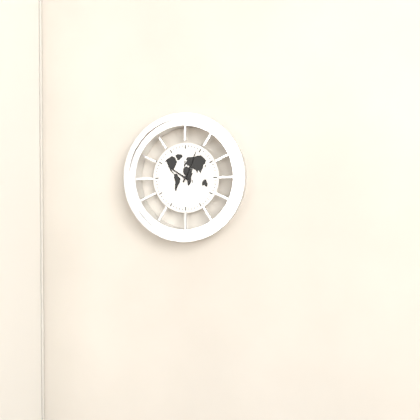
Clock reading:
**10:04**
